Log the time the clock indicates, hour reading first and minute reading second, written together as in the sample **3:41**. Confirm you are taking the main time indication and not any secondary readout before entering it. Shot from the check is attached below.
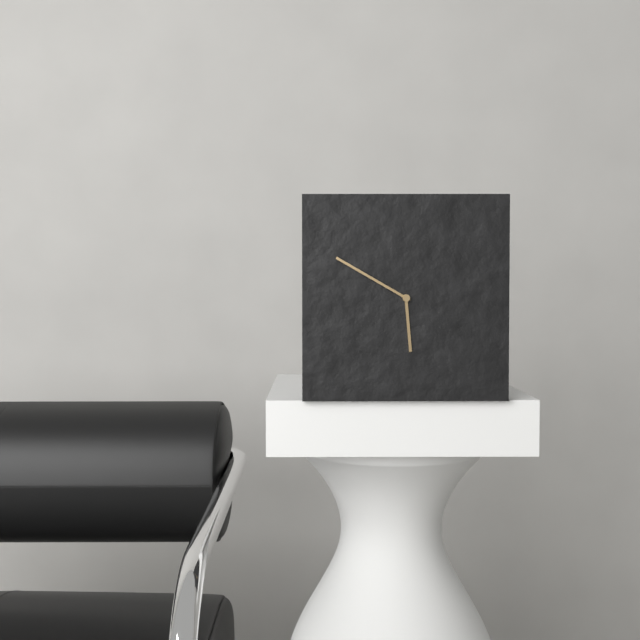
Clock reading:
**5:50**
